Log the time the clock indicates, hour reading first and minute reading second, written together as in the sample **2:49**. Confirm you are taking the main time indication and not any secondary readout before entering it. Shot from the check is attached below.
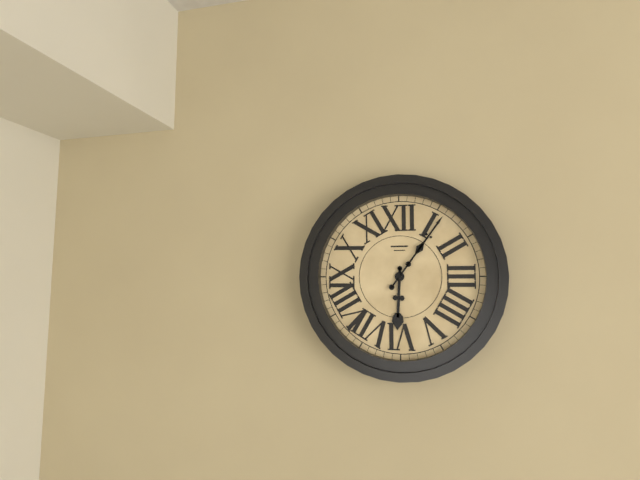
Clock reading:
**6:06**
